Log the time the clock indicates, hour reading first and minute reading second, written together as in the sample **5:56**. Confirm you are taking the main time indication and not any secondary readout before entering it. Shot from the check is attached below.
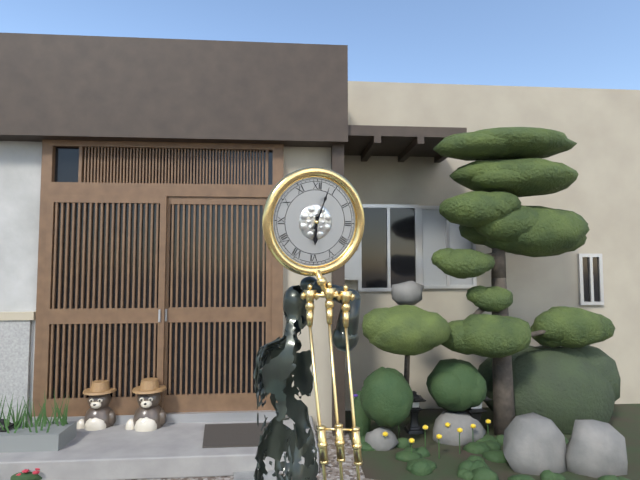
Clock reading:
**6:03**
